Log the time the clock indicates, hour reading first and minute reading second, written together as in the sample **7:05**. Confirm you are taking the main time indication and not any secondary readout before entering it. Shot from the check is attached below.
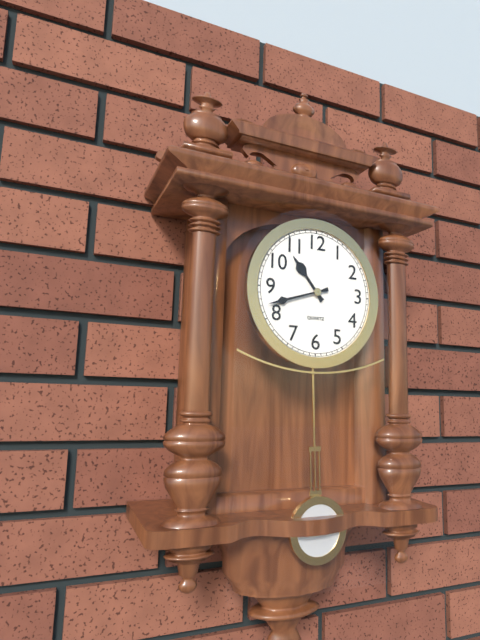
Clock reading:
**10:42**
